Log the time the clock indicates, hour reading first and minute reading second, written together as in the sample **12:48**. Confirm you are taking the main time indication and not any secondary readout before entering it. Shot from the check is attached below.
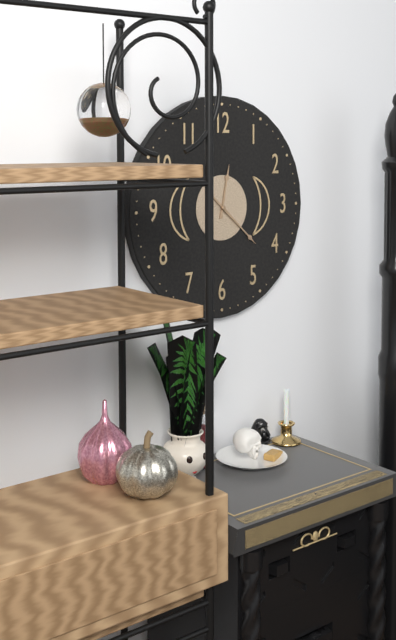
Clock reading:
**12:22**
